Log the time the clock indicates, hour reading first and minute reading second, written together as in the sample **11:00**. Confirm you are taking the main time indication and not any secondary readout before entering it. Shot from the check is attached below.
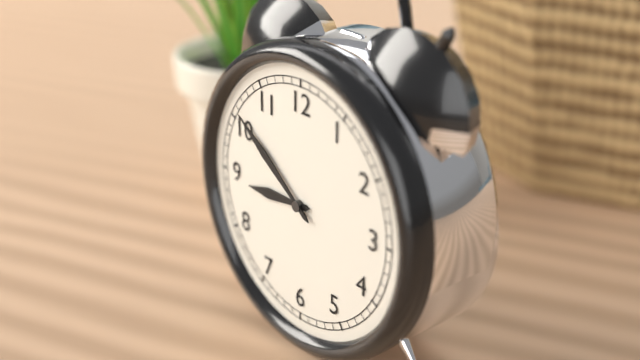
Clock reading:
**8:51**
